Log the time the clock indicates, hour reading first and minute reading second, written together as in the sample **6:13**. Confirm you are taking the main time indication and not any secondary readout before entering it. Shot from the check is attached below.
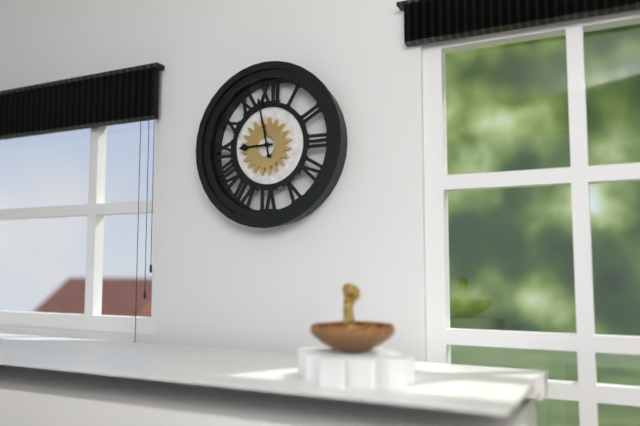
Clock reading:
**8:58**
